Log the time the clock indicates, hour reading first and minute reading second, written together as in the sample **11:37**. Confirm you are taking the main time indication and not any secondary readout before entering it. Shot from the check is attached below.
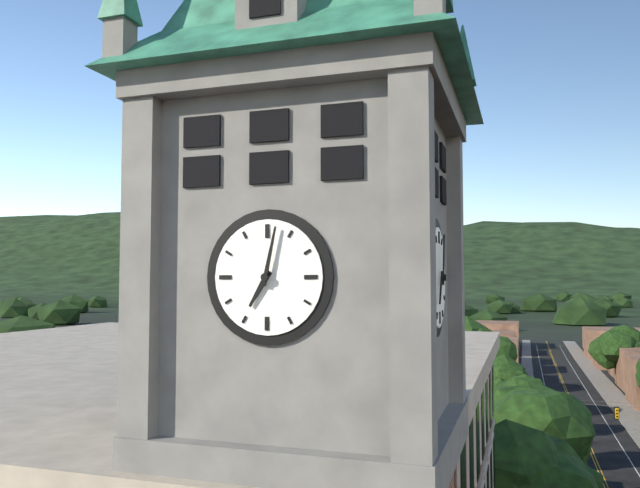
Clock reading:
**7:02**
